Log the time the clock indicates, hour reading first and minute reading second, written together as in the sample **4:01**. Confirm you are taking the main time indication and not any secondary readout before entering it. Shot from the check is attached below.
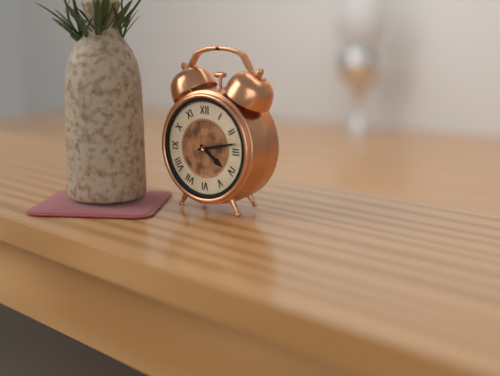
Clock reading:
**4:13**
